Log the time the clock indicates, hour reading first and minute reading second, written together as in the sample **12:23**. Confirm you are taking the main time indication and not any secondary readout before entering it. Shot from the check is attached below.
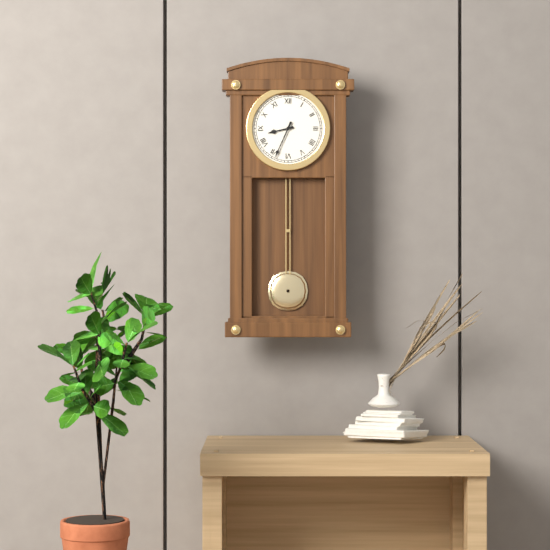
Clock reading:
**8:34**
